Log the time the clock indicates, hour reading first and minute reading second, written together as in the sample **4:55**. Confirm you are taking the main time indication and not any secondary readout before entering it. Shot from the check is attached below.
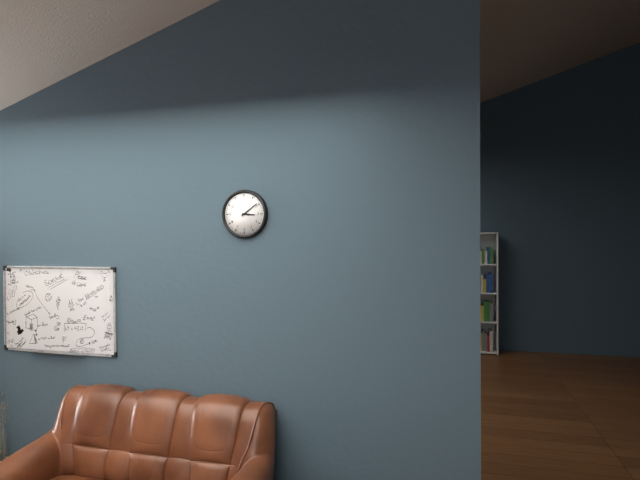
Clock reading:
**3:09**
